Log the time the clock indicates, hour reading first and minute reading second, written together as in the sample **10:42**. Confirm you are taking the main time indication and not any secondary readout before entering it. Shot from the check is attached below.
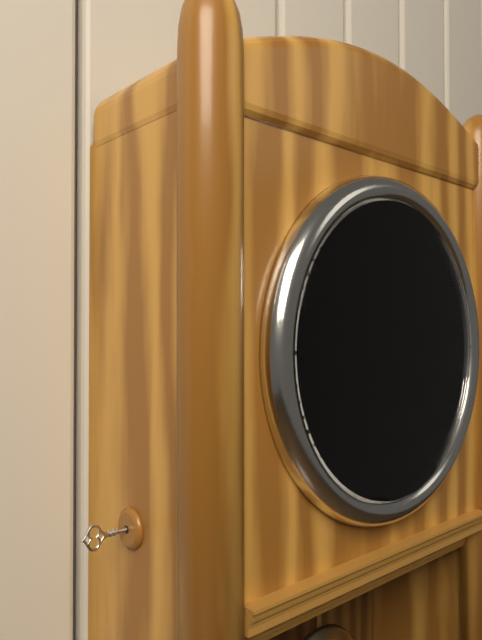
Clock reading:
**1:34**
